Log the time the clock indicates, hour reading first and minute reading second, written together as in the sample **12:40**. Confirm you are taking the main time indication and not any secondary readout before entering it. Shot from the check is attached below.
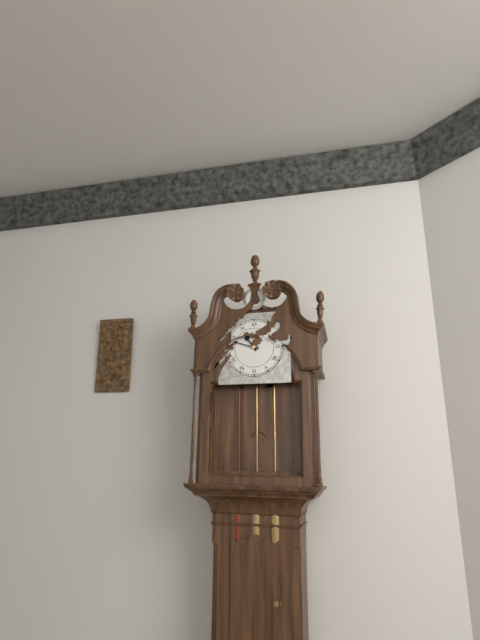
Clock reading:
**10:48**
